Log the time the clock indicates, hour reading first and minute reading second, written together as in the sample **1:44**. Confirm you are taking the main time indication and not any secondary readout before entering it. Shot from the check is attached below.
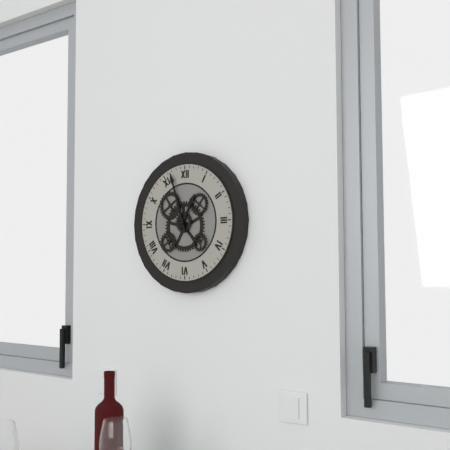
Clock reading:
**12:57**
